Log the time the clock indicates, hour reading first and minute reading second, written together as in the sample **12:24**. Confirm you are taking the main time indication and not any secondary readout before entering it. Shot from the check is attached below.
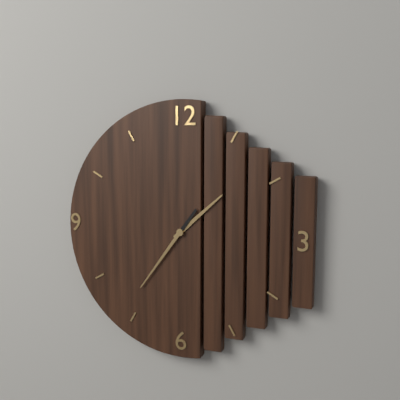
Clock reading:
**1:36**
